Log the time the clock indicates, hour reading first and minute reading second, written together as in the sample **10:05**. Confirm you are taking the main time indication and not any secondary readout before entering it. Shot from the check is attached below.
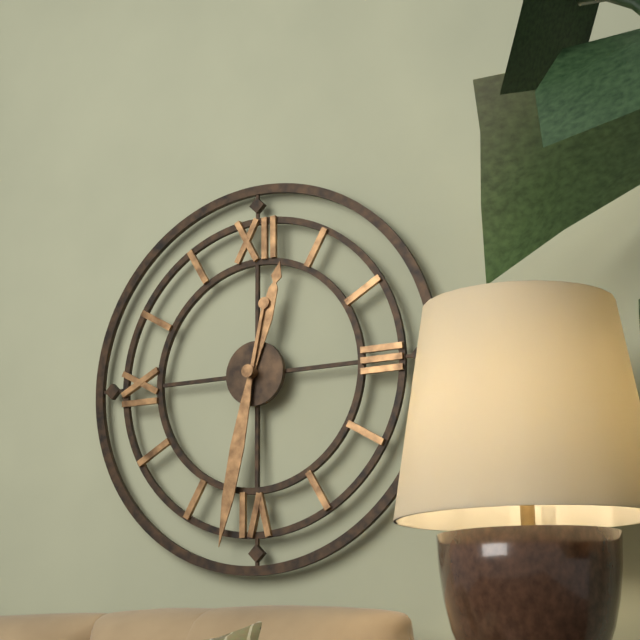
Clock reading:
**12:32**
